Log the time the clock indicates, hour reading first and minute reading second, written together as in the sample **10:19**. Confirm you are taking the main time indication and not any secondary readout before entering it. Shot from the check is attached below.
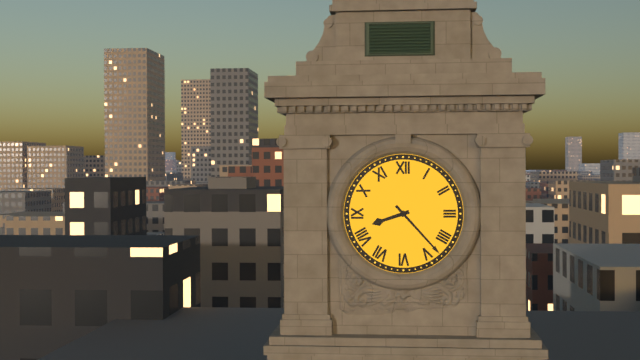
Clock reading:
**8:23**
